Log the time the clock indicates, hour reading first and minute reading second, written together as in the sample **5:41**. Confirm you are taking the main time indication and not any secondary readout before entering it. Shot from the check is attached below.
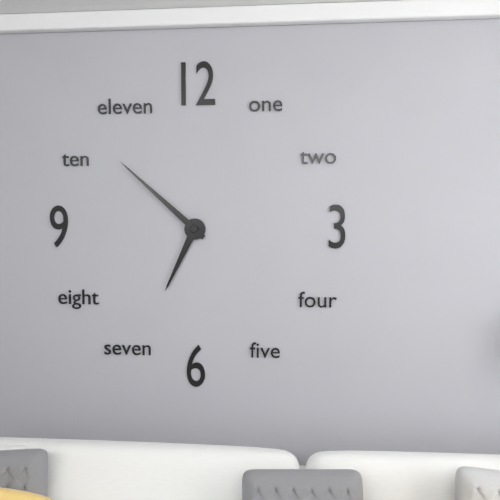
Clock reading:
**6:52**
